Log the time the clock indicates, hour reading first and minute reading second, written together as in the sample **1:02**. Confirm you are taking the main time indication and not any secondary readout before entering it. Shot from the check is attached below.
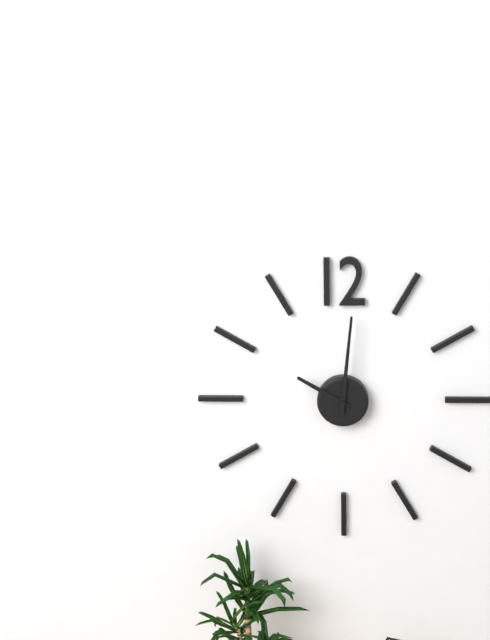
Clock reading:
**10:01**
